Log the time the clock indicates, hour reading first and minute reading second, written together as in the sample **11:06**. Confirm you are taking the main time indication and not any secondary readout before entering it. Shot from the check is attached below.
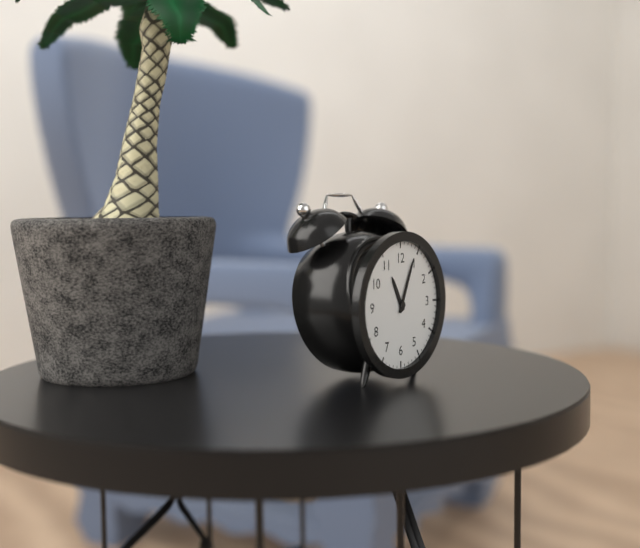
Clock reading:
**11:04**
